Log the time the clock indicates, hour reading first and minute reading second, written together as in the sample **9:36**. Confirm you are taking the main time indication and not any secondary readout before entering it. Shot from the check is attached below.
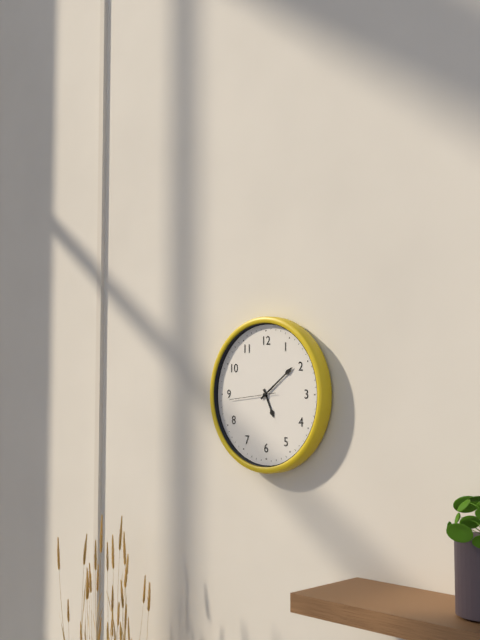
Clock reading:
**5:09**
